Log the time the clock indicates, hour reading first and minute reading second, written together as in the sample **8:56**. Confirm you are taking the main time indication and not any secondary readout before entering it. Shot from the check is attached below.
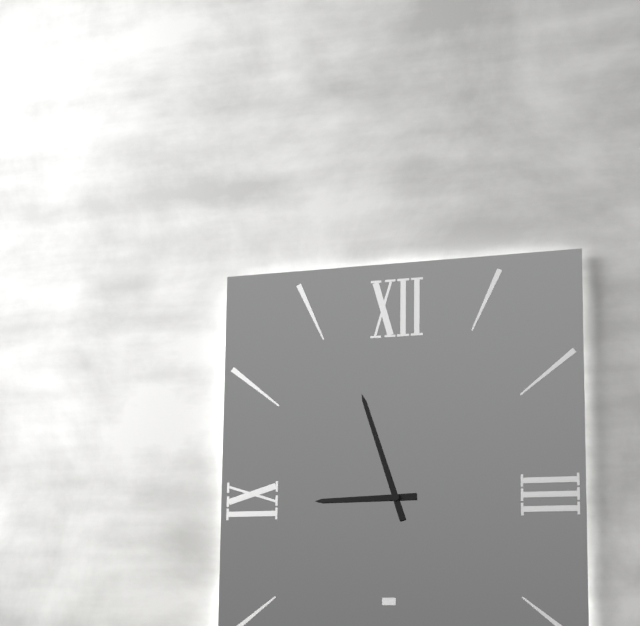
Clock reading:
**8:57**
